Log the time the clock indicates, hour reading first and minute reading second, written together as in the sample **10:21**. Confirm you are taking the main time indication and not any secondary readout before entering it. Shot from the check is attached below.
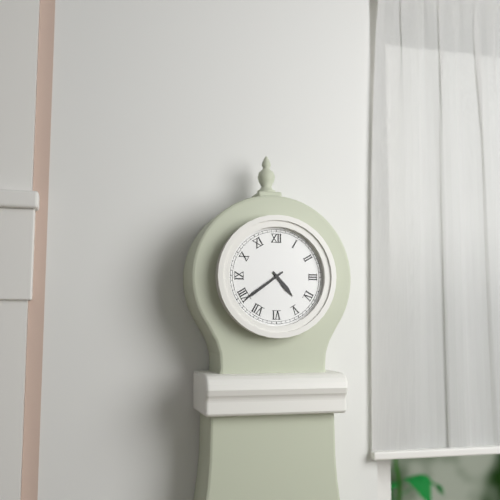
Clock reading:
**4:39**
